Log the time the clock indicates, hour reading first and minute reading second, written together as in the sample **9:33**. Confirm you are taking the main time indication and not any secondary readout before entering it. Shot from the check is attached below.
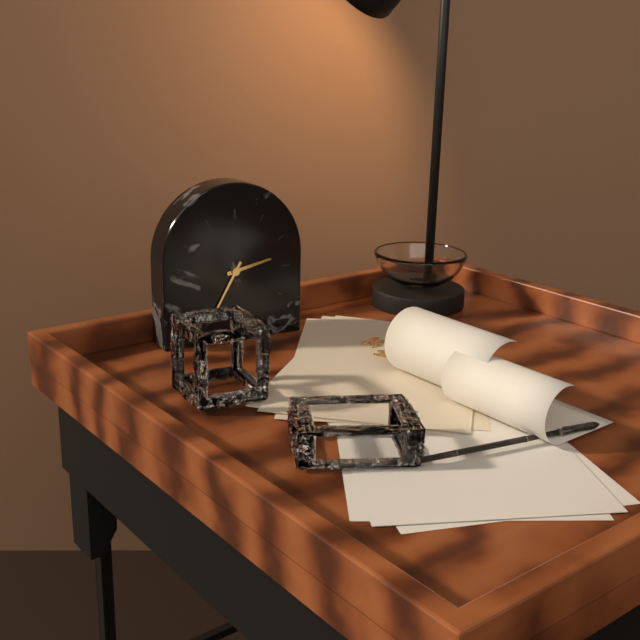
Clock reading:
**2:35**
